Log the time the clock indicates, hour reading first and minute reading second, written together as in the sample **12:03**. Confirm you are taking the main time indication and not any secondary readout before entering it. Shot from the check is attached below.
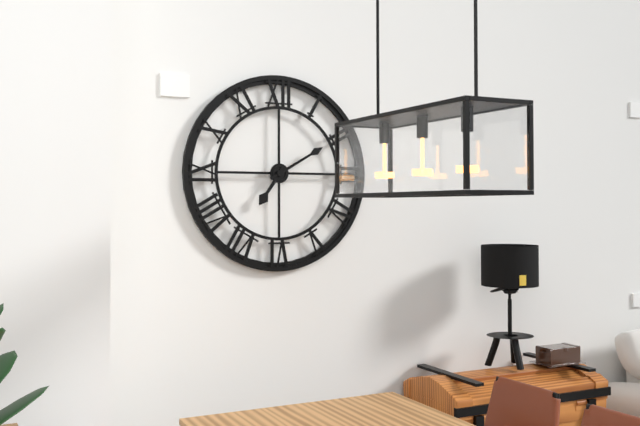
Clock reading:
**7:10**
